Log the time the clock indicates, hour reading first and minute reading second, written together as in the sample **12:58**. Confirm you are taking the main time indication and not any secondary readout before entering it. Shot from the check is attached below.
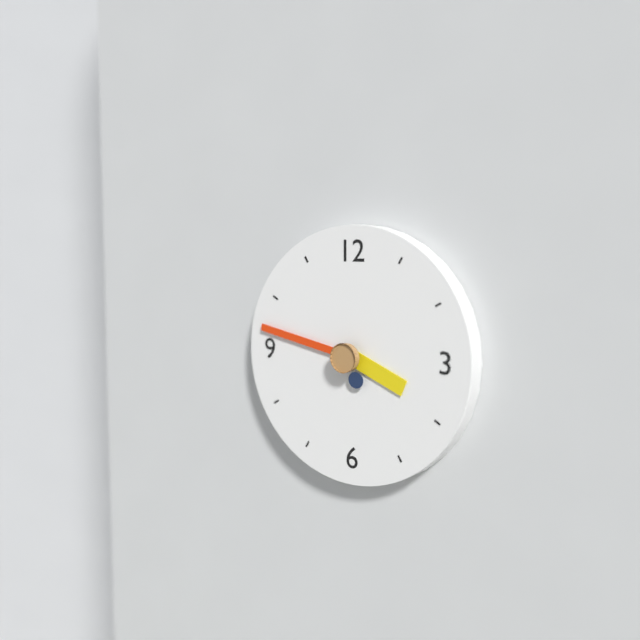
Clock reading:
**3:47**
